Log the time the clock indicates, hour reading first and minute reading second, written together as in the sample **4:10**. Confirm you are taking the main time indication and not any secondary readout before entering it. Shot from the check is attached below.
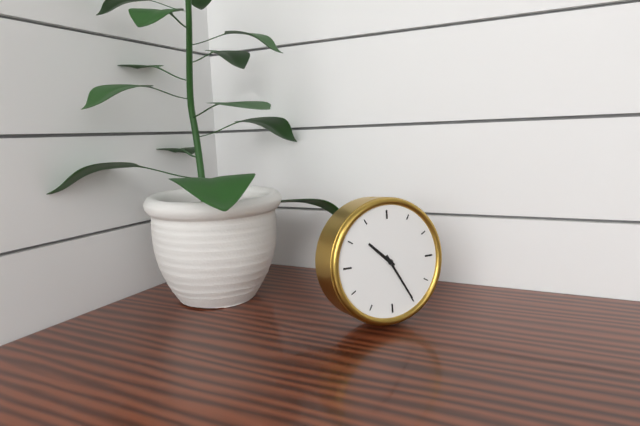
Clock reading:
**10:25**
